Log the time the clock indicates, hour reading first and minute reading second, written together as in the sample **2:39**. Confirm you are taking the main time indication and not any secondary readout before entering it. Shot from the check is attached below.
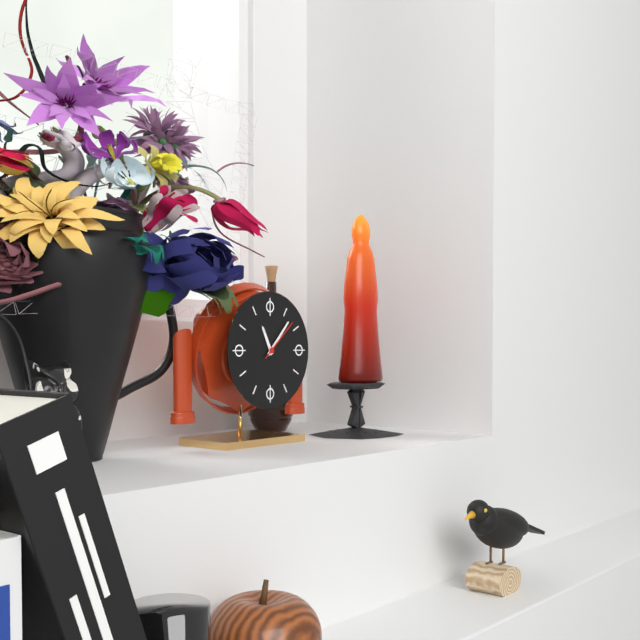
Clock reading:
**11:07**
